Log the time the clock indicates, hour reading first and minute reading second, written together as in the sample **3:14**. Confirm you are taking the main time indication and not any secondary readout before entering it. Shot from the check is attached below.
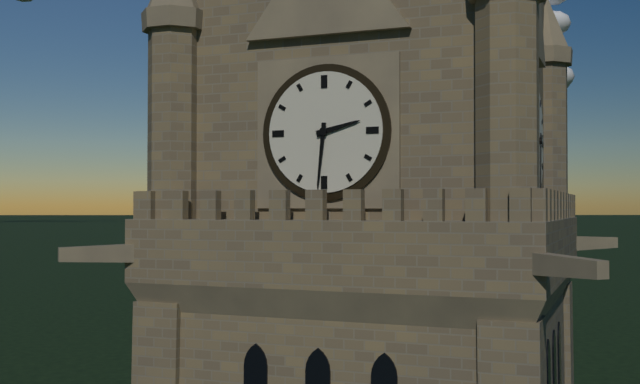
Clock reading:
**2:31**
